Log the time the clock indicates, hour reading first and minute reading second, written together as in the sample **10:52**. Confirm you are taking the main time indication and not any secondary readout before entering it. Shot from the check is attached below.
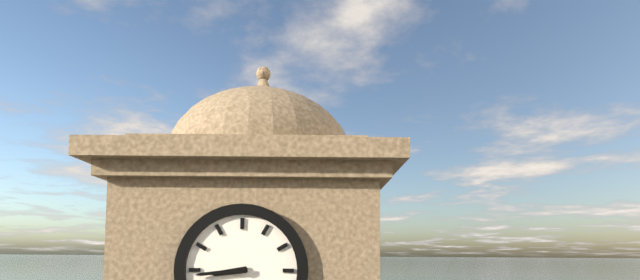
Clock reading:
**8:44**
